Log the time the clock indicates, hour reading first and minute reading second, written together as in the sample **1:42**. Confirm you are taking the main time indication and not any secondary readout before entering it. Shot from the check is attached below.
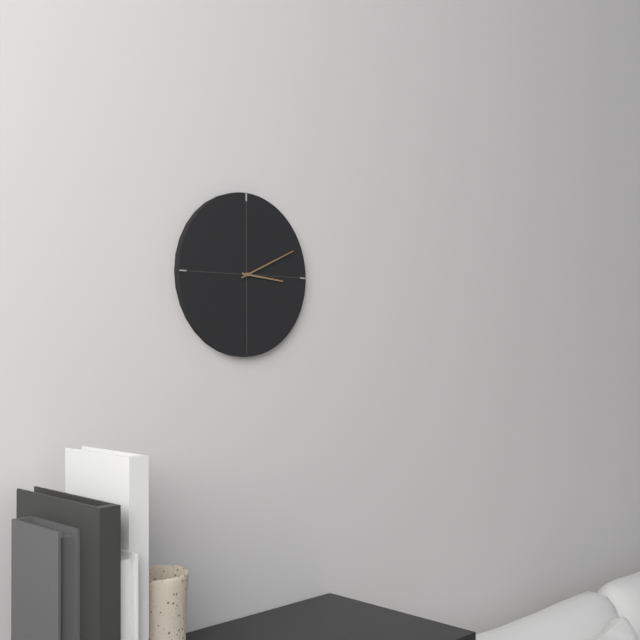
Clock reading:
**3:11**
